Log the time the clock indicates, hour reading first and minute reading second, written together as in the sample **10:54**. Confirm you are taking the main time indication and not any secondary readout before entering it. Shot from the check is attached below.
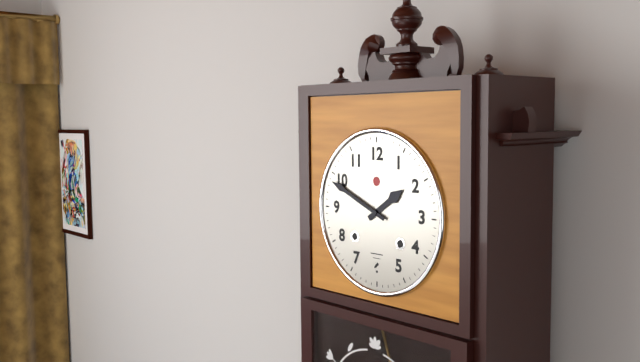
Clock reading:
**1:49**
